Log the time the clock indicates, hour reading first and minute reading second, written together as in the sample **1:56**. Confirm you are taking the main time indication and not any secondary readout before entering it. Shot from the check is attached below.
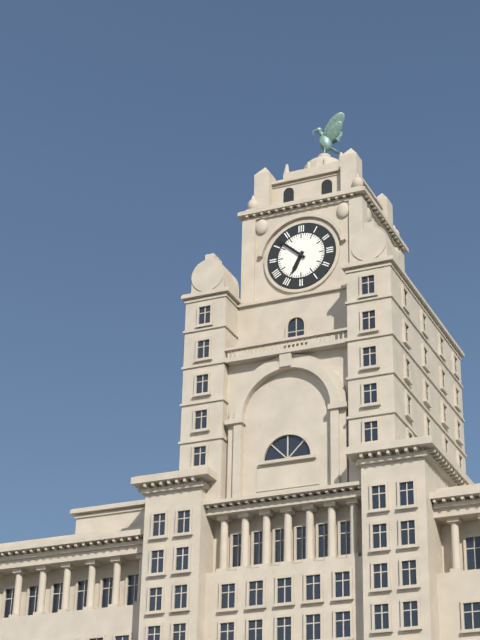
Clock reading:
**6:52**
